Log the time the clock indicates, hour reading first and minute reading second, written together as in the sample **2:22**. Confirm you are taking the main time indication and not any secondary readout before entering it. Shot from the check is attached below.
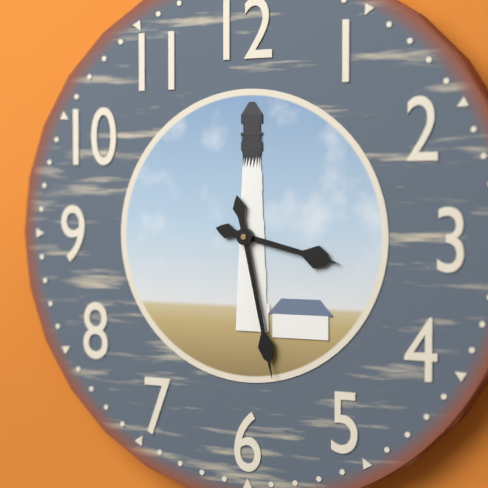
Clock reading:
**3:28**
